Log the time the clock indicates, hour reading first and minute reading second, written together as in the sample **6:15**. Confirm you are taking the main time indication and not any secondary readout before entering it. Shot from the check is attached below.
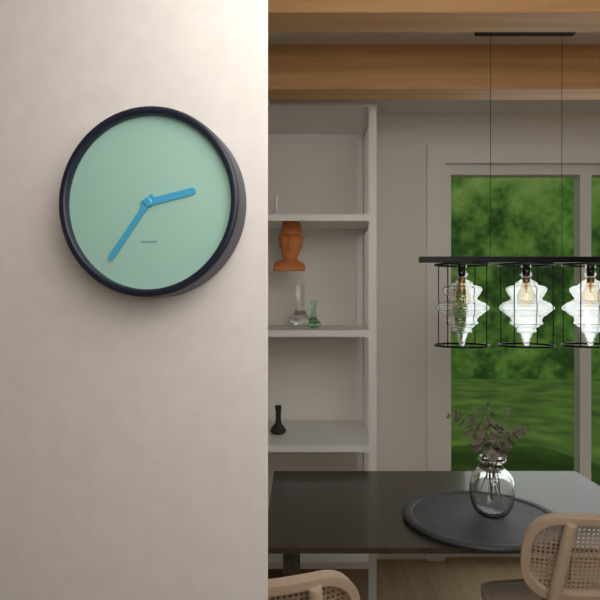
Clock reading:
**2:36**
